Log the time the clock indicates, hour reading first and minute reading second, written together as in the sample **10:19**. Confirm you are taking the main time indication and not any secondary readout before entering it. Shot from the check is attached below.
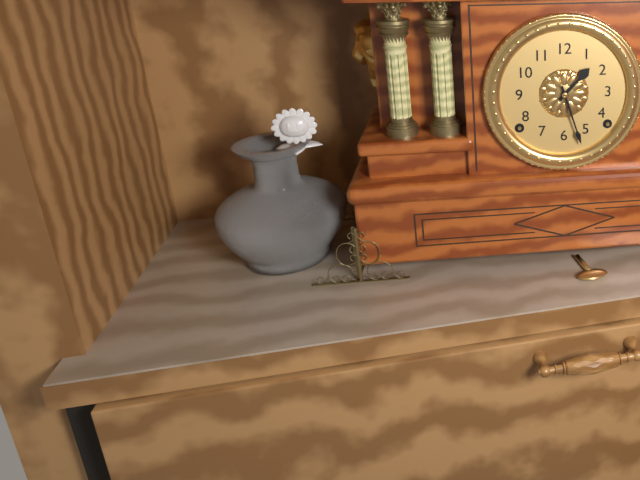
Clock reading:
**1:27**
